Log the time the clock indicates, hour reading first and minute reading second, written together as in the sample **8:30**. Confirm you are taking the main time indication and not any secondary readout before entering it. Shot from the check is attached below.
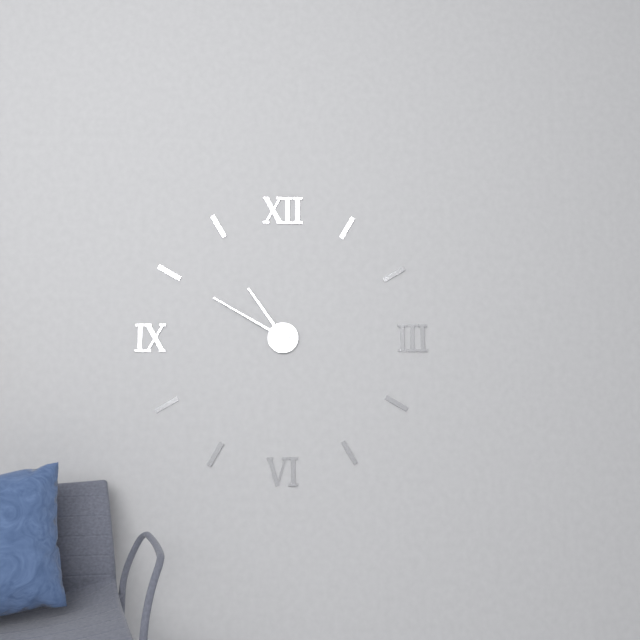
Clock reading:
**10:50**
